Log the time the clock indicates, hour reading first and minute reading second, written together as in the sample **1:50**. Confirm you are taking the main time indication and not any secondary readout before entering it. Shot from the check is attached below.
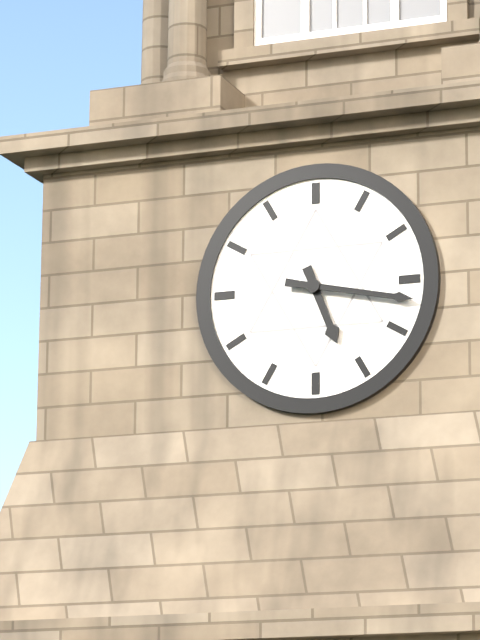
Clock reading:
**5:17**
